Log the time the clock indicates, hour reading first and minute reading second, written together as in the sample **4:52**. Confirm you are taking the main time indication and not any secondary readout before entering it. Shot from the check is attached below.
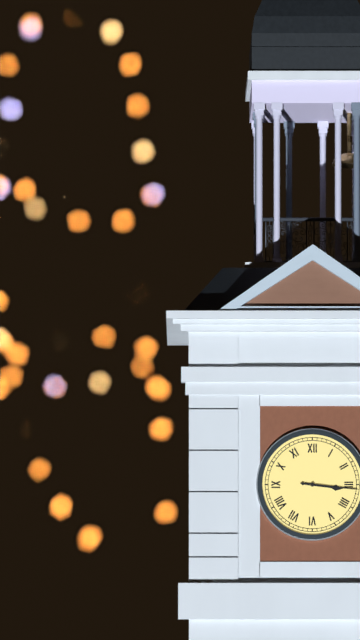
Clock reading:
**3:16**
